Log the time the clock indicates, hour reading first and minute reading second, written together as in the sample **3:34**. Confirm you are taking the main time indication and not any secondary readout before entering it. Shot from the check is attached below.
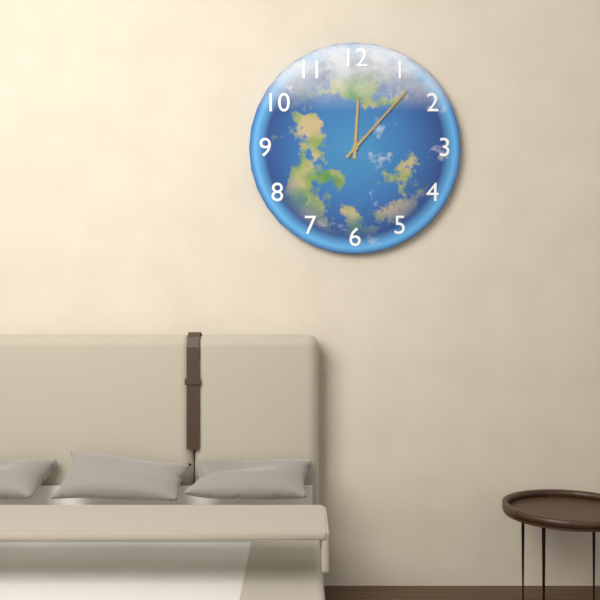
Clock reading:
**12:07**
